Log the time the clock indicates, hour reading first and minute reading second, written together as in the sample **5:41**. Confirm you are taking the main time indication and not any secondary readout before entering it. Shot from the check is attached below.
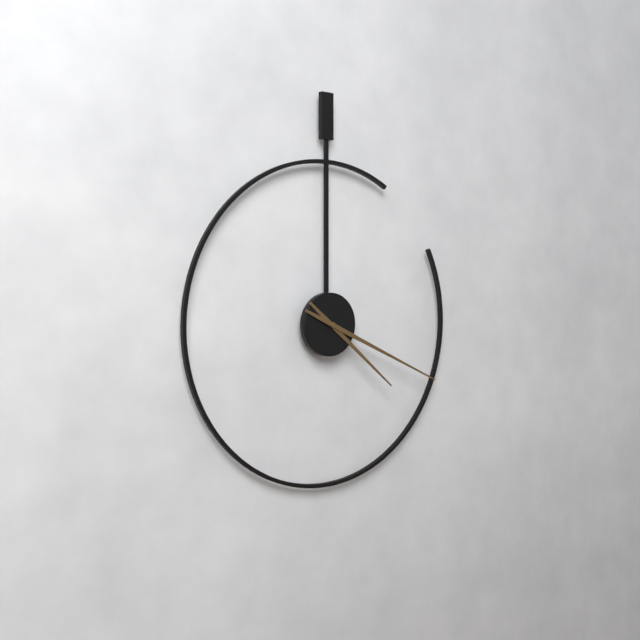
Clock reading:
**4:19**
